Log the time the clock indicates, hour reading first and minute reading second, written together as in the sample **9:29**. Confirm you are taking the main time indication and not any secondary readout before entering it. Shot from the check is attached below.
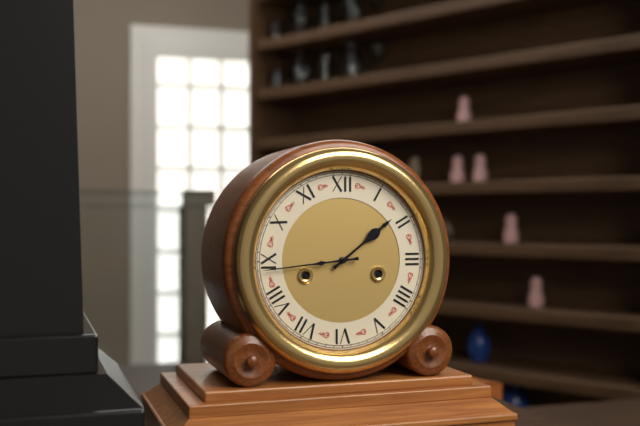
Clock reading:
**1:44**
